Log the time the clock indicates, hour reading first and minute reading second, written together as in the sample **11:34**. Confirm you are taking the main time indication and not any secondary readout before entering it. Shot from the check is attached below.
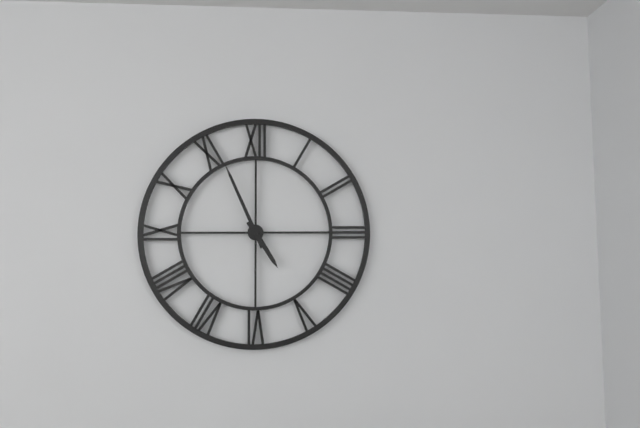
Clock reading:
**4:56**
